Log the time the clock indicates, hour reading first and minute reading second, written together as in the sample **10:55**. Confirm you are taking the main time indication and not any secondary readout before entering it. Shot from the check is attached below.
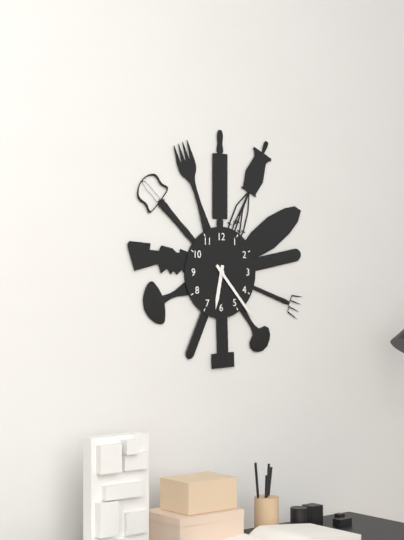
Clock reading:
**6:23**
